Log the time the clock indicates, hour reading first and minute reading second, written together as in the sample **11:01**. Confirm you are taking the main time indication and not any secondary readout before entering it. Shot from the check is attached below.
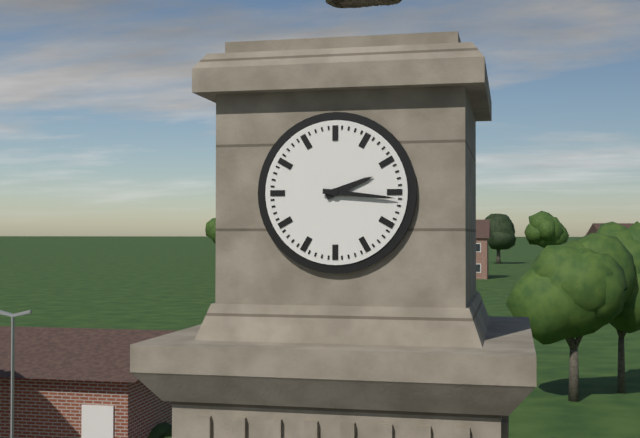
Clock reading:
**2:16**
